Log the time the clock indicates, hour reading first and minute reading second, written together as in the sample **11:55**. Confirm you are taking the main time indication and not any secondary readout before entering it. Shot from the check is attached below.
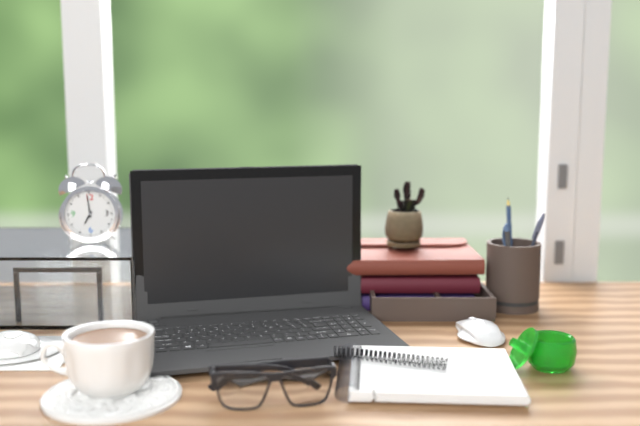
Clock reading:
**6:59**
